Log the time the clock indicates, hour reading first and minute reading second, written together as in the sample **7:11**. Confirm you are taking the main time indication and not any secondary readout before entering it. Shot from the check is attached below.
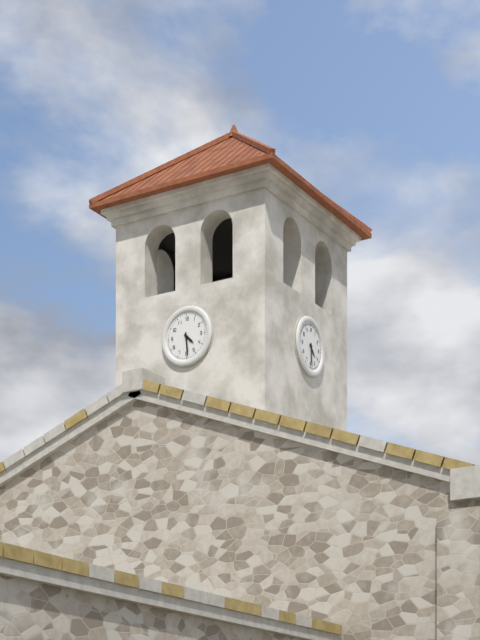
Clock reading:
**4:29**
